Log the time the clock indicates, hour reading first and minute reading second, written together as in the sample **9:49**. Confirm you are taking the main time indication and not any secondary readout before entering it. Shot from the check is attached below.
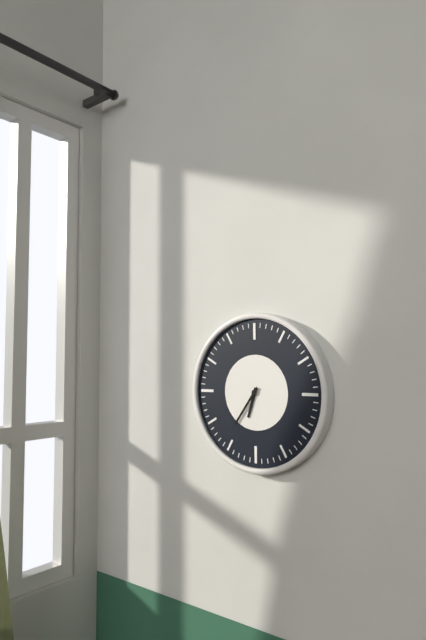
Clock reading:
**6:36**
